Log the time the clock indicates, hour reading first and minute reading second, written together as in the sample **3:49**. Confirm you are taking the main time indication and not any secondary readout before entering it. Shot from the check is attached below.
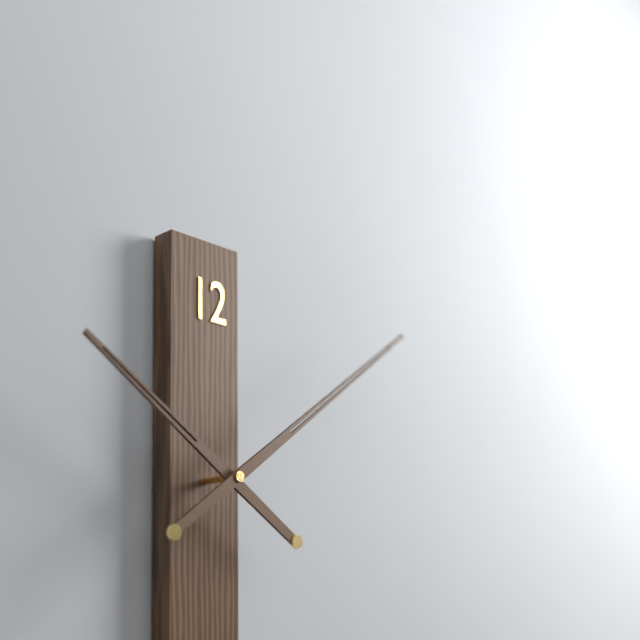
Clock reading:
**10:09**
